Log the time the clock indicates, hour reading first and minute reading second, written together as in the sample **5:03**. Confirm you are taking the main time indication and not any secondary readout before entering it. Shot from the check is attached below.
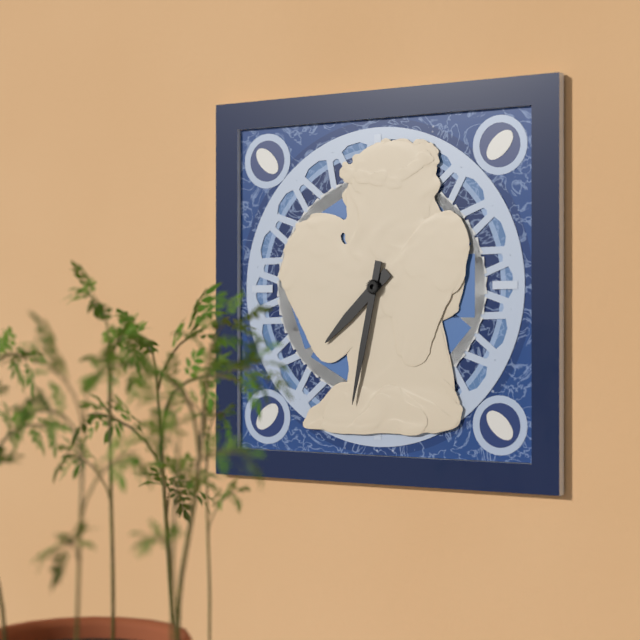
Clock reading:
**7:32**
